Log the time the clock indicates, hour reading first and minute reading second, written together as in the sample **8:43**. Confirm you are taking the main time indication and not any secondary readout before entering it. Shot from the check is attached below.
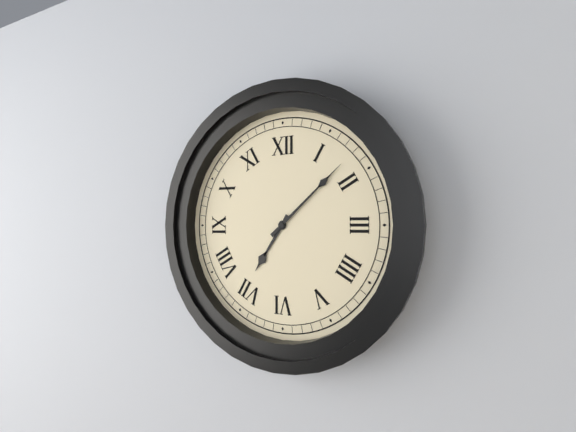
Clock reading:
**7:08**
